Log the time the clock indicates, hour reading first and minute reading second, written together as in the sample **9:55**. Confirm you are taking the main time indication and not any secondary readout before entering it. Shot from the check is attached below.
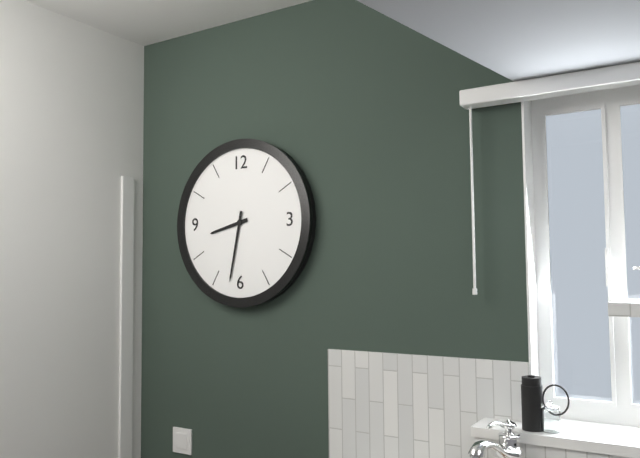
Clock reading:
**8:32**
